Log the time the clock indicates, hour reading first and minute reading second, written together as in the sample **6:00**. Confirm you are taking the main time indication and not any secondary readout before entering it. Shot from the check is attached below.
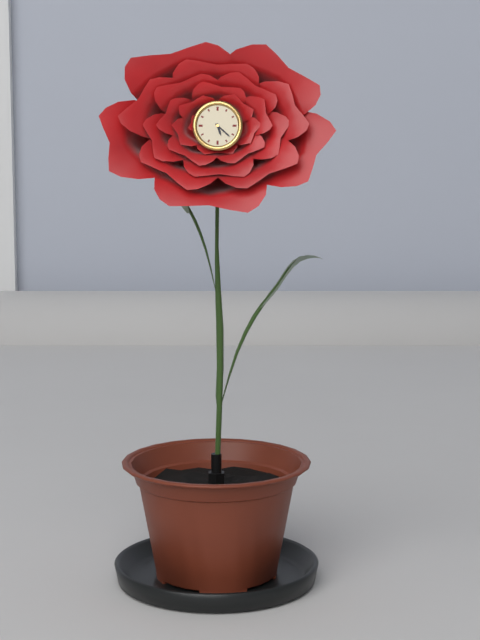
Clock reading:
**5:22**
